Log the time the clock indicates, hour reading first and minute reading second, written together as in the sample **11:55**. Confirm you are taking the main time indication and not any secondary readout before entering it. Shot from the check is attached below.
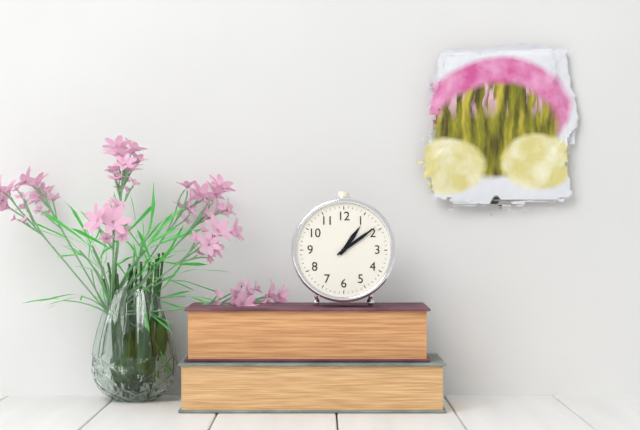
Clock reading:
**1:09**
